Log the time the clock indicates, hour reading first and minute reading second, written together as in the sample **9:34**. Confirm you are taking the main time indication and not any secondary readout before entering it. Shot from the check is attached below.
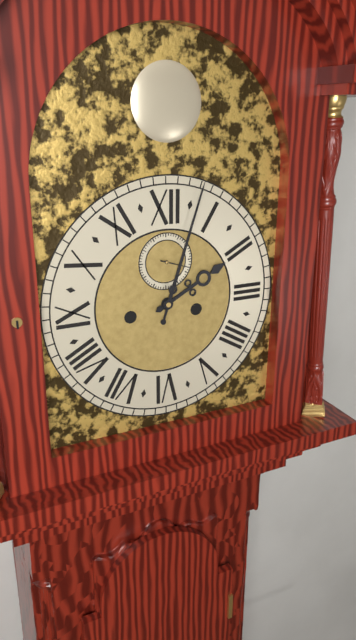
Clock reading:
**2:03**
